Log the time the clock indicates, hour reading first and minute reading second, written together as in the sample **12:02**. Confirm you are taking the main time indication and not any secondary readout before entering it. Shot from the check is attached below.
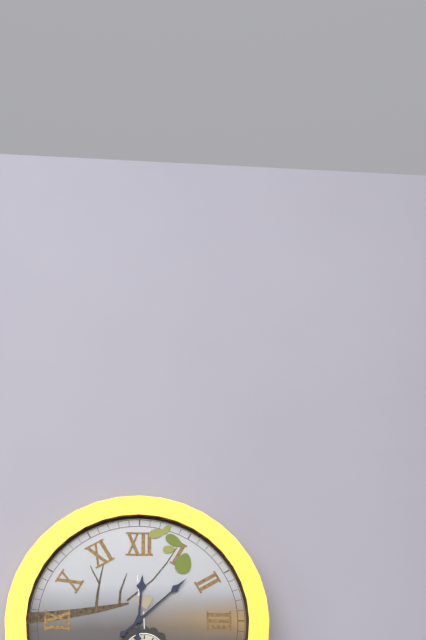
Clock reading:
**12:08**
